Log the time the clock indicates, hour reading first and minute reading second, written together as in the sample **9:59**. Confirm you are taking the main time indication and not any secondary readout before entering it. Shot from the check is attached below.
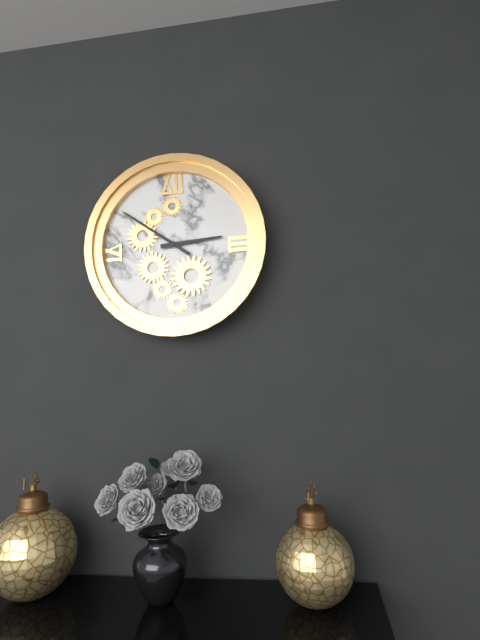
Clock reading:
**2:51**
